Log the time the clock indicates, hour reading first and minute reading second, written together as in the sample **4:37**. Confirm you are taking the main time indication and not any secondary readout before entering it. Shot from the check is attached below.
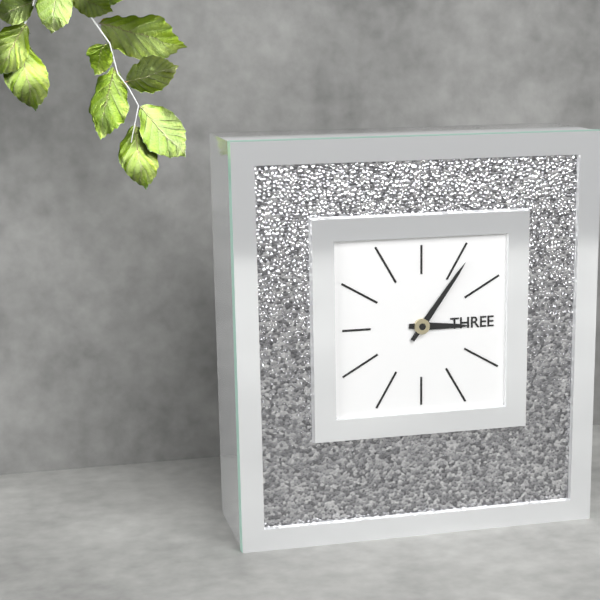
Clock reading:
**3:06**
